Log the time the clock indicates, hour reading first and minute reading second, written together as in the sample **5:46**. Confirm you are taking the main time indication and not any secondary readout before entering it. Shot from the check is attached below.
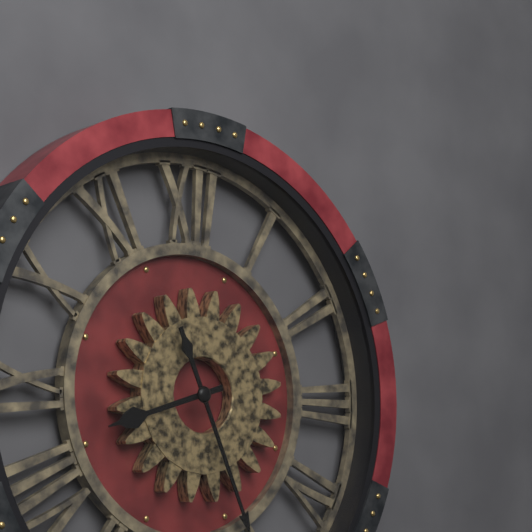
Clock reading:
**8:26**
